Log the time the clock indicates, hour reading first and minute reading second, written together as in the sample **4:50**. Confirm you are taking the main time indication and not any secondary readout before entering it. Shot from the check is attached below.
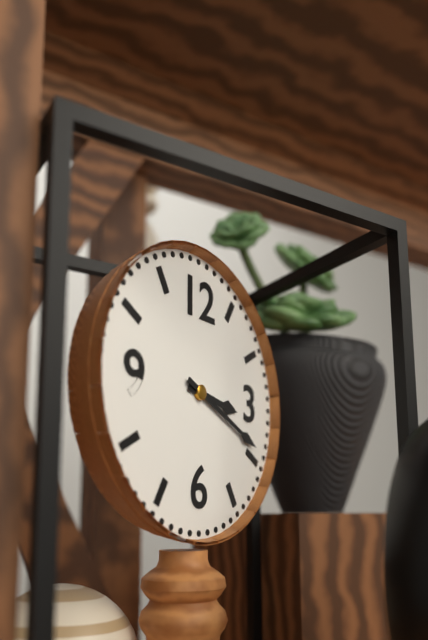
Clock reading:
**3:19**
